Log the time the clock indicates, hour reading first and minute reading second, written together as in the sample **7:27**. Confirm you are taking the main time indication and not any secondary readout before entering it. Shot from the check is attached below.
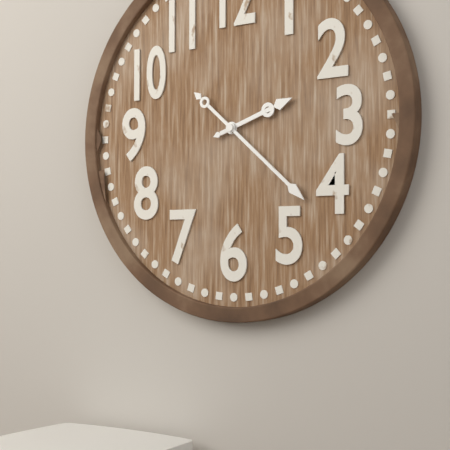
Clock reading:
**2:22**
